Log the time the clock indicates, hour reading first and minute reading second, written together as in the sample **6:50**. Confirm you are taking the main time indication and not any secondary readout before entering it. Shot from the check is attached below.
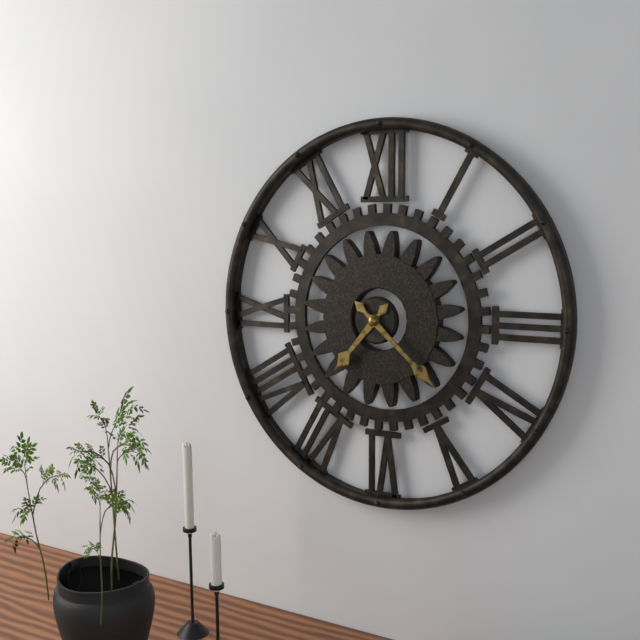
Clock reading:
**7:22**
